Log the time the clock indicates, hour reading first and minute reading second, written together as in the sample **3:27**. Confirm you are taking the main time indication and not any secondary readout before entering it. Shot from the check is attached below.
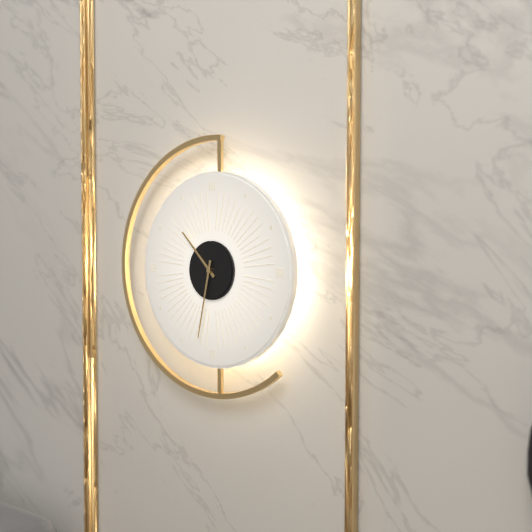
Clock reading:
**10:32**
